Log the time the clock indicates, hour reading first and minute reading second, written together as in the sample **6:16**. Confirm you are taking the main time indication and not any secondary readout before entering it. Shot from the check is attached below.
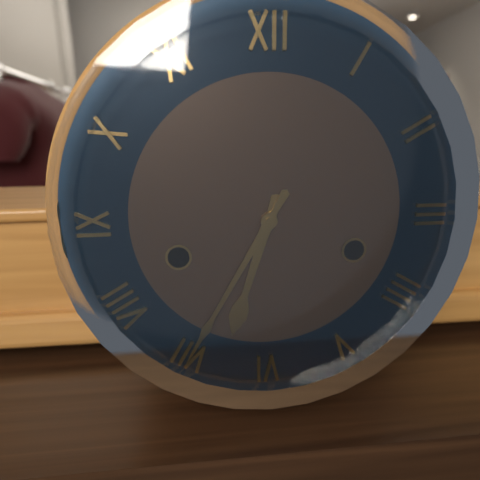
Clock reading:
**6:35**
